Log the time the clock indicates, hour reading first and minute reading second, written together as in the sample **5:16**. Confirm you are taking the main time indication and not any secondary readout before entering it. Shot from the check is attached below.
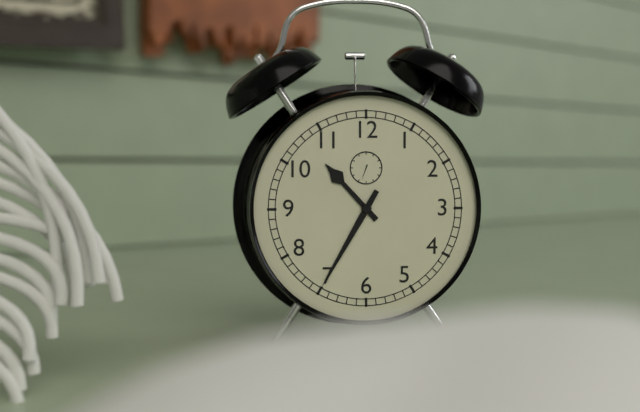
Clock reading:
**10:35**
